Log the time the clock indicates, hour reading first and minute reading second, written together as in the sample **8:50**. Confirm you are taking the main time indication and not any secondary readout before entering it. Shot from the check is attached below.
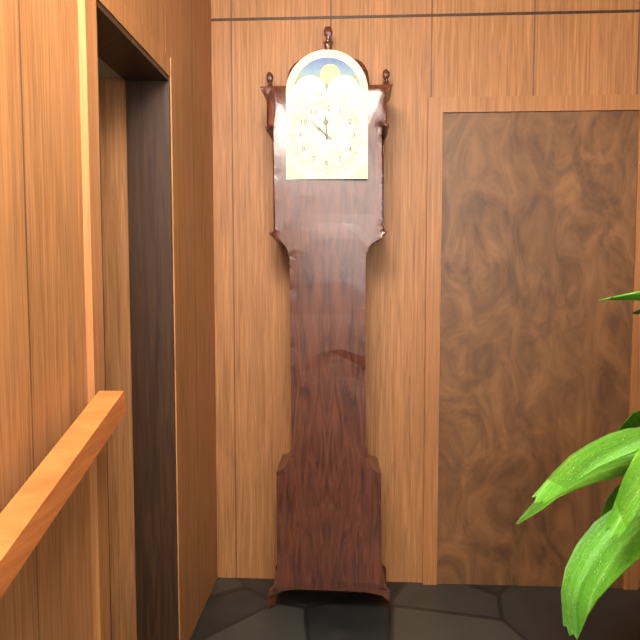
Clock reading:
**11:52**
